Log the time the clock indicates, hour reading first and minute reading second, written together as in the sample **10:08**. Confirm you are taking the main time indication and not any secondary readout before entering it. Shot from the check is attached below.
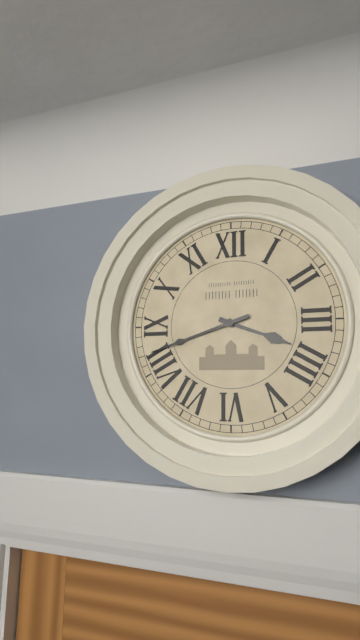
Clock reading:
**3:42**
